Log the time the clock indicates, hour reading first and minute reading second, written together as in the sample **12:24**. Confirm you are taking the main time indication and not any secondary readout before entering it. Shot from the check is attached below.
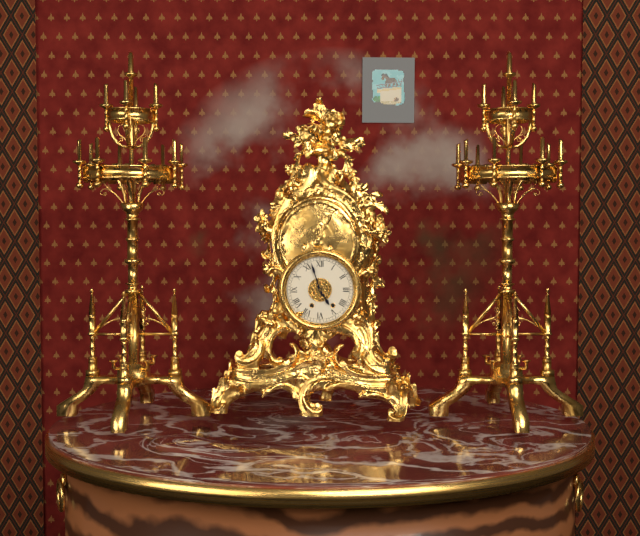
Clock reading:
**4:57**
